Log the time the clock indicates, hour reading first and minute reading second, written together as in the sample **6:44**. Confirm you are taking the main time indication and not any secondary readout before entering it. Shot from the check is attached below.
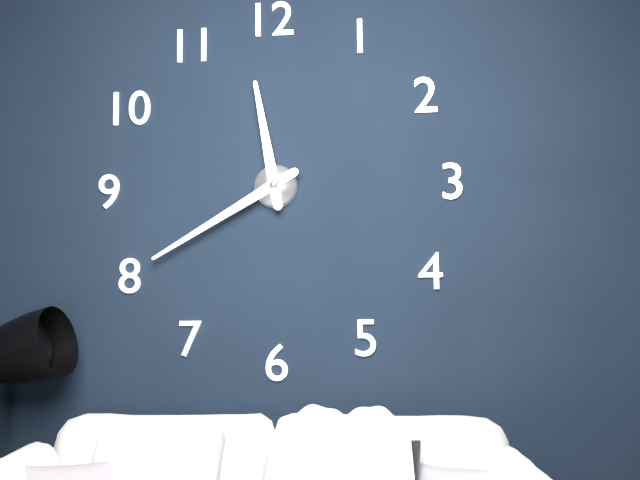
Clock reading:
**11:40**
